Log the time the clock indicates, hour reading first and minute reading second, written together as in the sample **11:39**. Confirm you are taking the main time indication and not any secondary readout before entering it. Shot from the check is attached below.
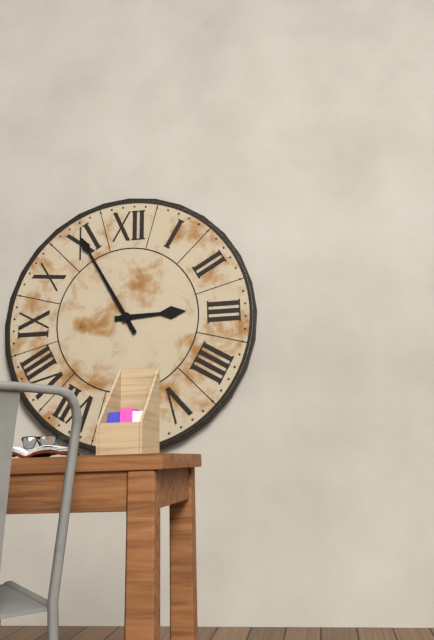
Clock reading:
**2:55**
